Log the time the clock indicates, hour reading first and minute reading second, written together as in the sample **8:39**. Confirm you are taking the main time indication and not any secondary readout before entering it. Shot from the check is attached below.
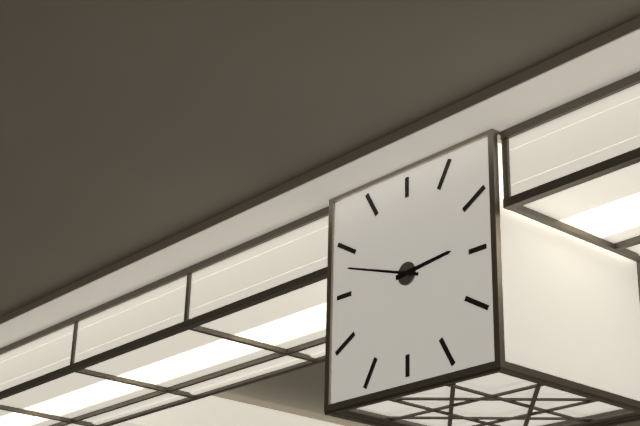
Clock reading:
**2:48**
